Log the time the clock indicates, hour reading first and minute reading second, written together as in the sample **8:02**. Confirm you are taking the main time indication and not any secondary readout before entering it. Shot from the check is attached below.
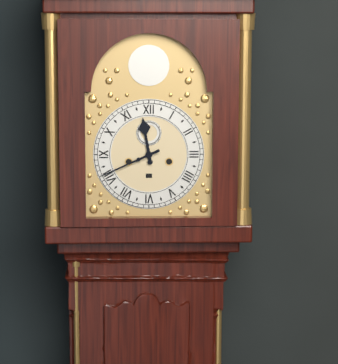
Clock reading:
**11:41**
